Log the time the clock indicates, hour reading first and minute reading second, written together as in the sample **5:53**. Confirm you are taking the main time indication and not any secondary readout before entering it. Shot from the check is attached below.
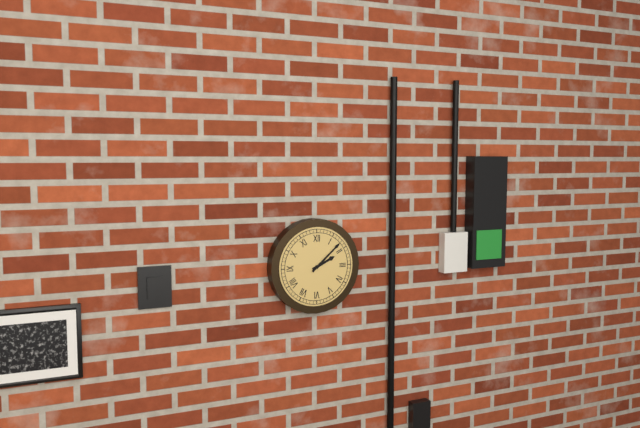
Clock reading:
**2:08**
